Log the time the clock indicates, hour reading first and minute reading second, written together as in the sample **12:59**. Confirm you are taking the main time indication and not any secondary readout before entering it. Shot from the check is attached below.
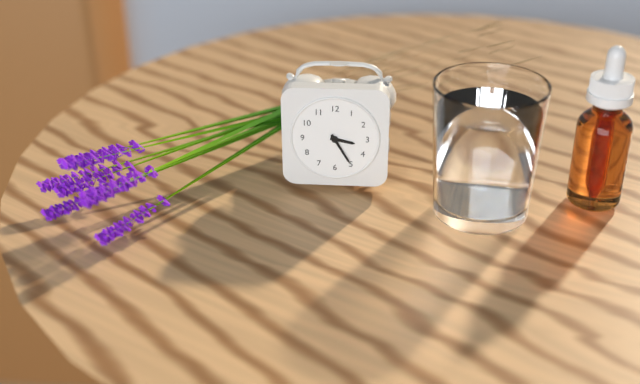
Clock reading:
**3:25**
